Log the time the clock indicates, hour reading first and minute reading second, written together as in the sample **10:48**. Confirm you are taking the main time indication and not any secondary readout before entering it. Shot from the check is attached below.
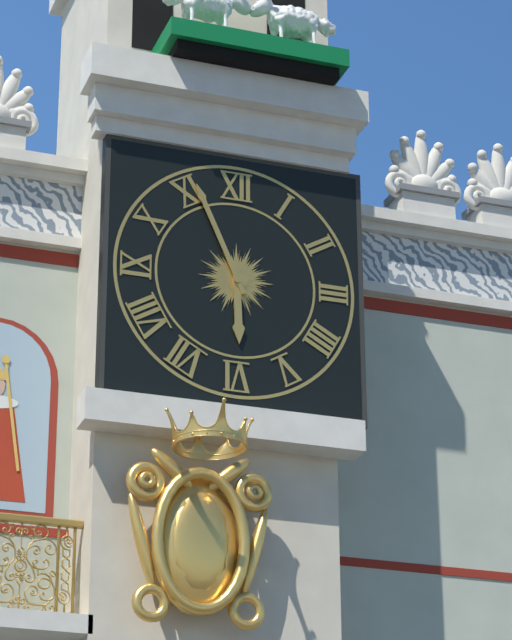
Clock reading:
**5:56**
